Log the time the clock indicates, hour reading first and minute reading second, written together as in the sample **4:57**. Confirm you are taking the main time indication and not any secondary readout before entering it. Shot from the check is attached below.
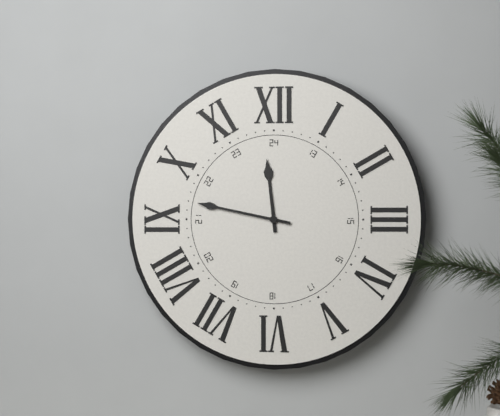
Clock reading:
**11:47**
